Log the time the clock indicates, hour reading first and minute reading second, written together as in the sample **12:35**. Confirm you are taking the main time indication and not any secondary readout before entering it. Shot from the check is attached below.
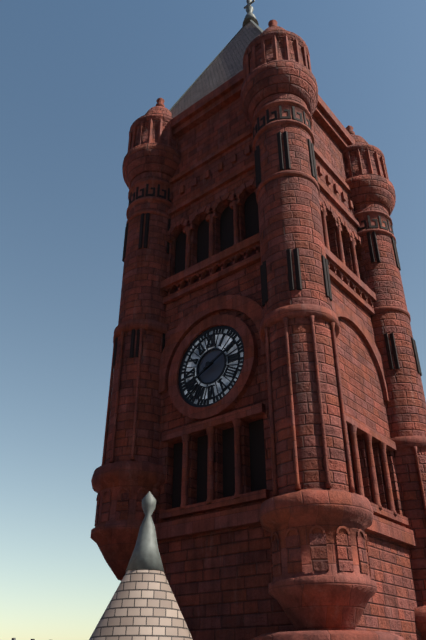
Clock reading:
**8:11**
